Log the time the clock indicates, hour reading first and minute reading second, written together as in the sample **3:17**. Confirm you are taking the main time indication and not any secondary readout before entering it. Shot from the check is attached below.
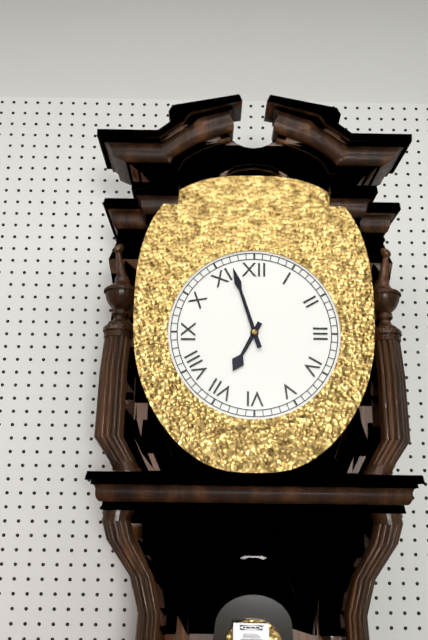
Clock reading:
**6:57**
